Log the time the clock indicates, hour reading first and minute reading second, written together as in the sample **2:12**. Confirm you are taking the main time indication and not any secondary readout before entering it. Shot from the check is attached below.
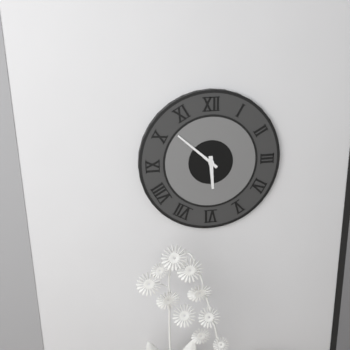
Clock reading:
**5:52**
